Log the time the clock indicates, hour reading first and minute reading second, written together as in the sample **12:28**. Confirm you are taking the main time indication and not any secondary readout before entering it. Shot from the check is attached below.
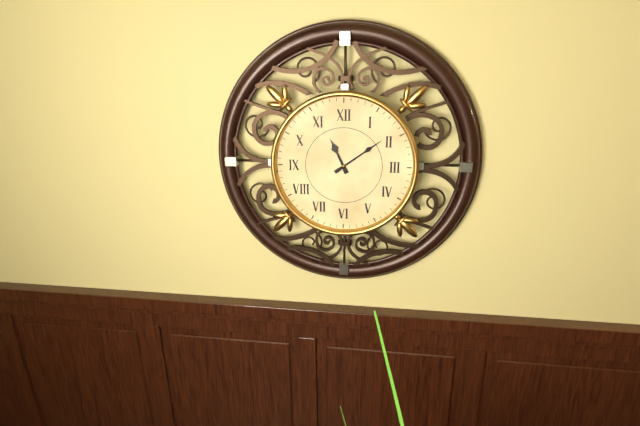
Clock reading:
**11:09**
